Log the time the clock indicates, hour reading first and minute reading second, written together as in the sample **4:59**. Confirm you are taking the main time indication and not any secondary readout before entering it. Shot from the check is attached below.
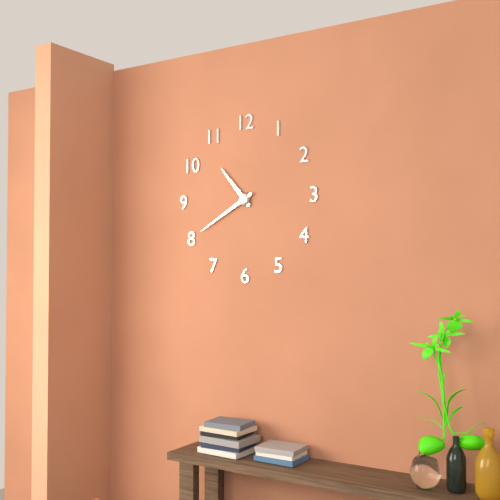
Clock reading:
**10:40**
